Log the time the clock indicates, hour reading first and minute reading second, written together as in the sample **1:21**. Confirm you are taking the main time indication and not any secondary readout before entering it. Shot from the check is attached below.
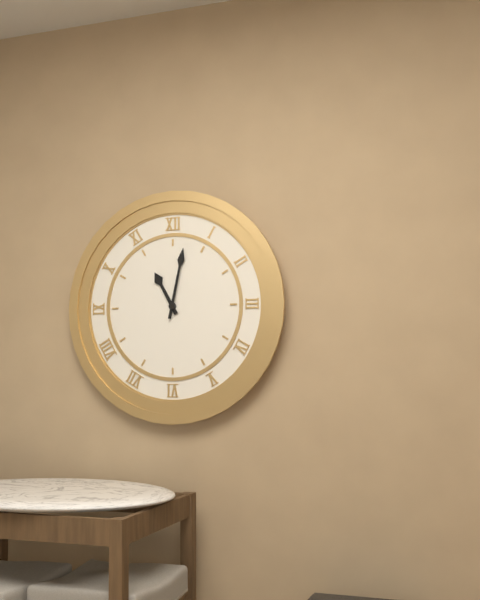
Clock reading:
**11:02**
